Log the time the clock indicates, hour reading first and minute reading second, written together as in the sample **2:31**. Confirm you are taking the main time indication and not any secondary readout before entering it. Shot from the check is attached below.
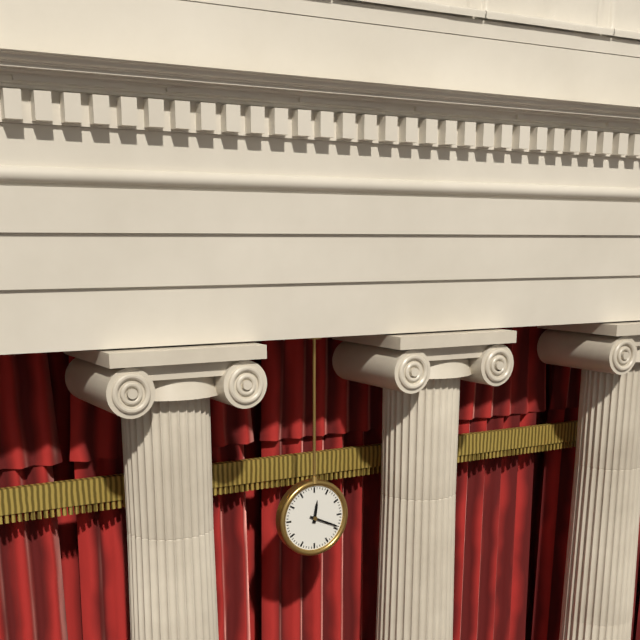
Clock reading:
**12:19**
